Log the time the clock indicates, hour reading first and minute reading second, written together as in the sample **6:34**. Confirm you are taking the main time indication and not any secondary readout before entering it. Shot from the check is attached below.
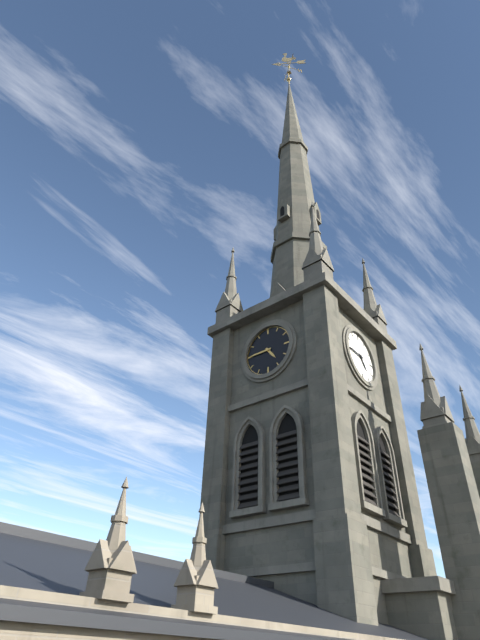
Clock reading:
**4:45**
